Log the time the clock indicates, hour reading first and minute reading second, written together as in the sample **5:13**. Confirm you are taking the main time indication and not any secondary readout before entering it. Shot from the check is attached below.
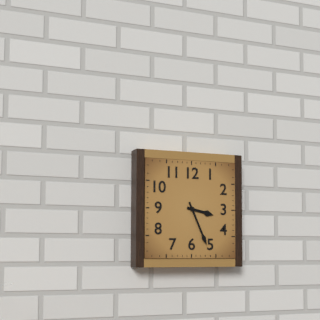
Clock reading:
**3:26**
